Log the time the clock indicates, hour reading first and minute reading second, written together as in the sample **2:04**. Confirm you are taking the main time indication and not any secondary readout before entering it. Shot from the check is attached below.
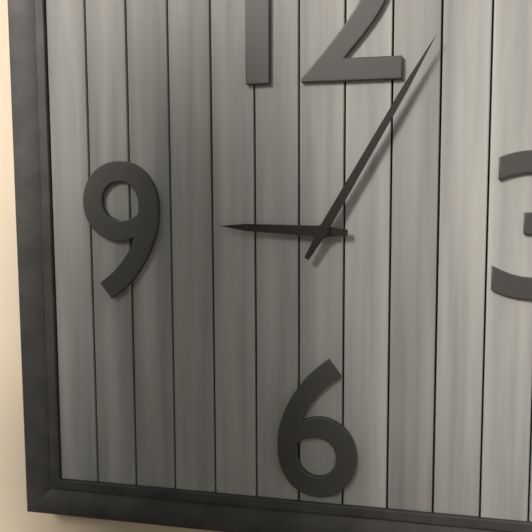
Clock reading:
**9:05**
